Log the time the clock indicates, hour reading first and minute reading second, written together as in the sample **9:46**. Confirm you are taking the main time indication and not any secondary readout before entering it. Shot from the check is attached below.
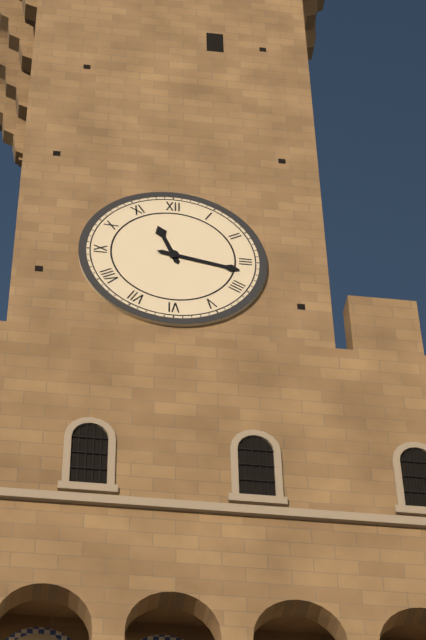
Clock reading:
**11:17**
